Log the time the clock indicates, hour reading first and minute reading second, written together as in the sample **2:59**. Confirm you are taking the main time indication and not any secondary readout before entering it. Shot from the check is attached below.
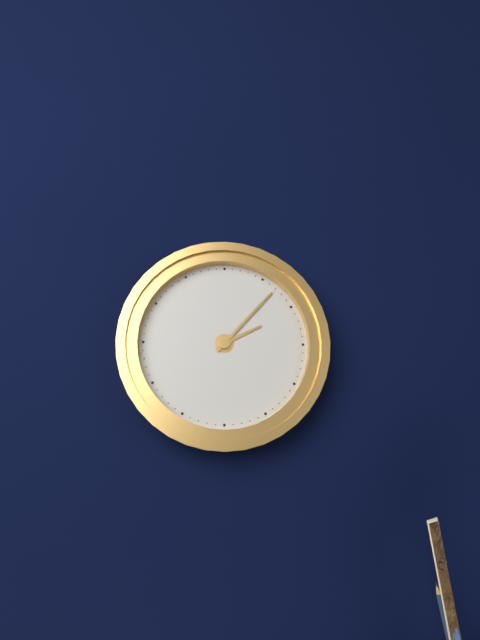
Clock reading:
**2:07**
